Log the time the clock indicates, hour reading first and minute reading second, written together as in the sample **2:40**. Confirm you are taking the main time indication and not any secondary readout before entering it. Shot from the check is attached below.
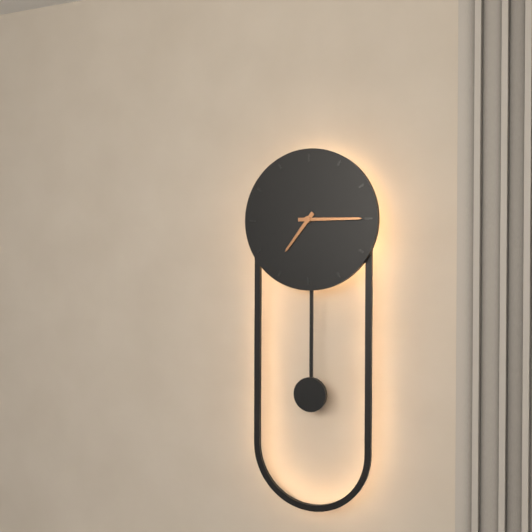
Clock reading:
**7:15**
